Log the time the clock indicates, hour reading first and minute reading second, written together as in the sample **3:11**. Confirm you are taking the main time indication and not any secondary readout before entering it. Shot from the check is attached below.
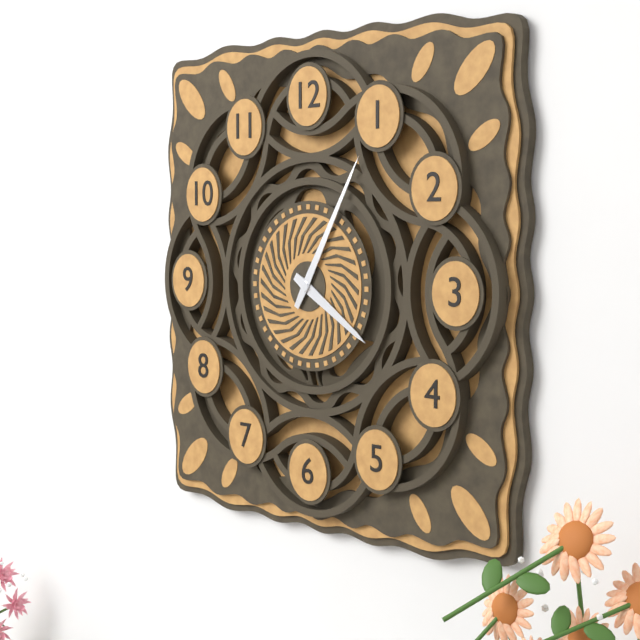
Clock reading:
**4:05**
